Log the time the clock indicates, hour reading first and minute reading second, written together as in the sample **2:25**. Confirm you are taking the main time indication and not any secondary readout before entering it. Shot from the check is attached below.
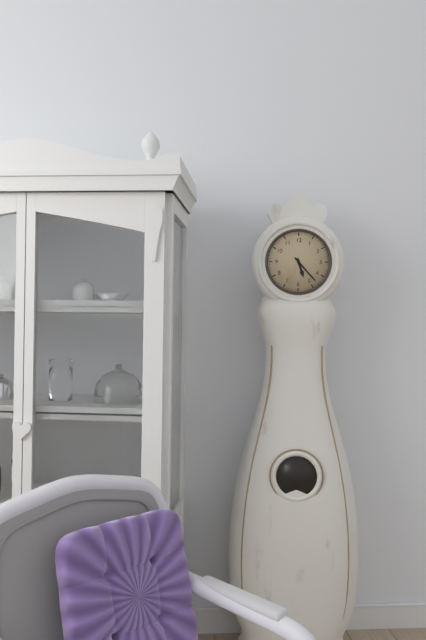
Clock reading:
**5:23**
